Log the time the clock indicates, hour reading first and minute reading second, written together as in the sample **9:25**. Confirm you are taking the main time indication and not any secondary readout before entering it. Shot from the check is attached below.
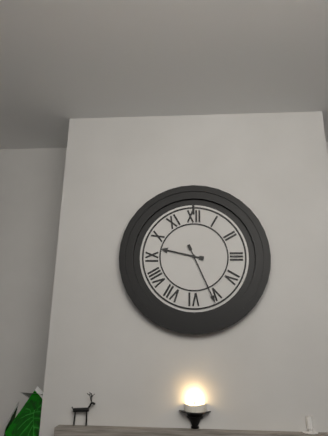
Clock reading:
**9:26**
